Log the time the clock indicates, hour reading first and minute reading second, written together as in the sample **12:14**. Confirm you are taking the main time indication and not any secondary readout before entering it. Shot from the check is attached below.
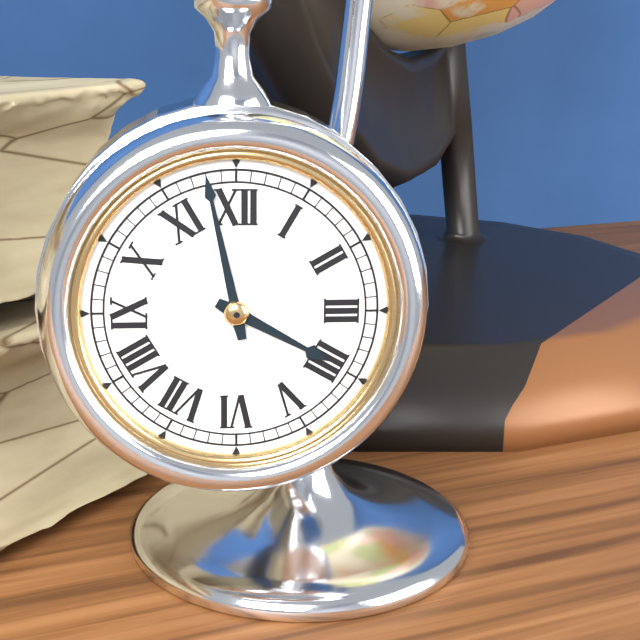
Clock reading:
**3:58**
